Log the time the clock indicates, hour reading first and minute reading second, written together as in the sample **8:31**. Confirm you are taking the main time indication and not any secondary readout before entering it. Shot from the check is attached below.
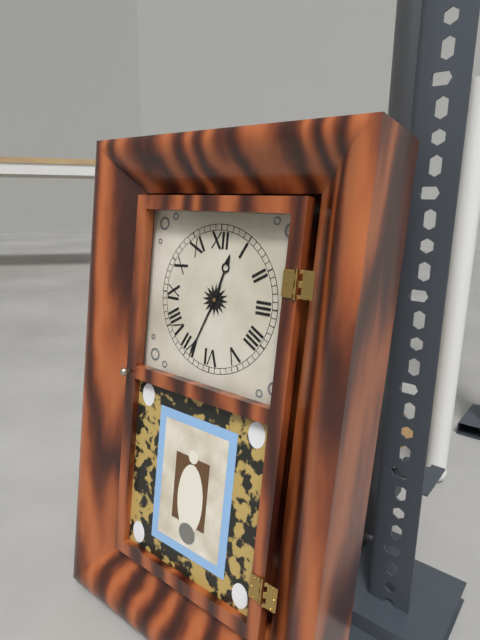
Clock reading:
**12:34**
